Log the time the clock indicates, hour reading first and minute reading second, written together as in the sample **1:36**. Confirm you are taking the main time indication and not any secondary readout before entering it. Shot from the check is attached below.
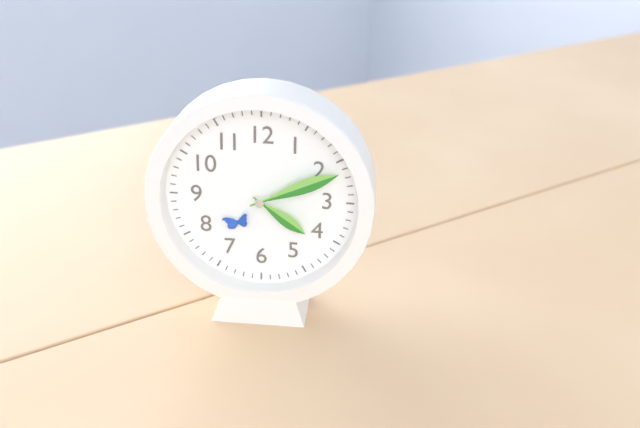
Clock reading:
**4:11**
